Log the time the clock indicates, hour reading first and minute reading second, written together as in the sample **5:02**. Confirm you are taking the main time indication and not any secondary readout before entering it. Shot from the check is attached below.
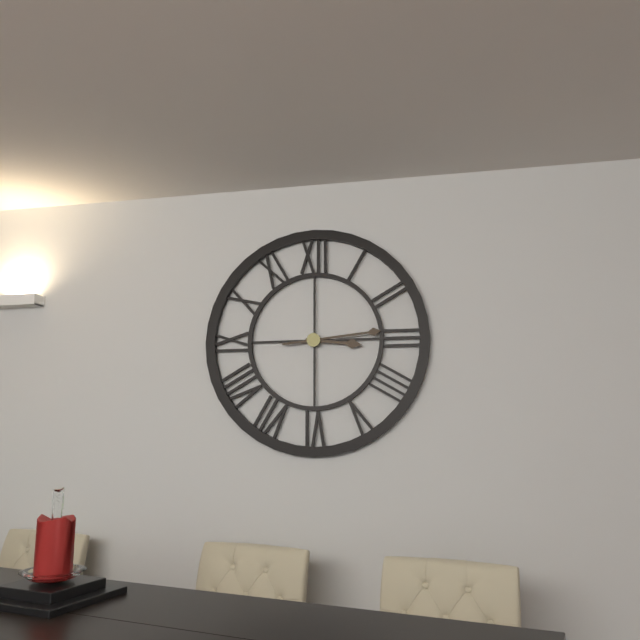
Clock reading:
**3:14**
